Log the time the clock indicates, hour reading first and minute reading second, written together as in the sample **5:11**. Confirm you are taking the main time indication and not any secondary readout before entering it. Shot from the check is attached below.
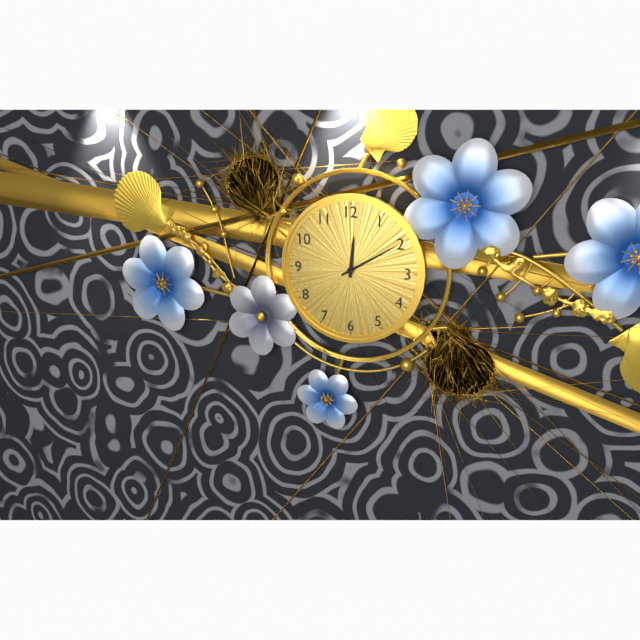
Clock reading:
**12:10**
